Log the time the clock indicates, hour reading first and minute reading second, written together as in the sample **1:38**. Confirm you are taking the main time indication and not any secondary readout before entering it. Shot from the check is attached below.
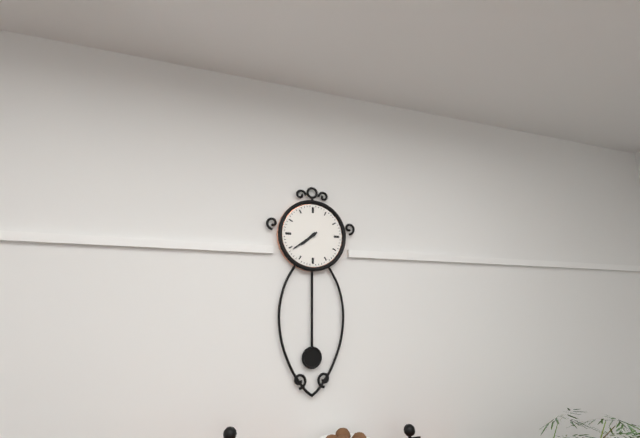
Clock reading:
**7:39**
